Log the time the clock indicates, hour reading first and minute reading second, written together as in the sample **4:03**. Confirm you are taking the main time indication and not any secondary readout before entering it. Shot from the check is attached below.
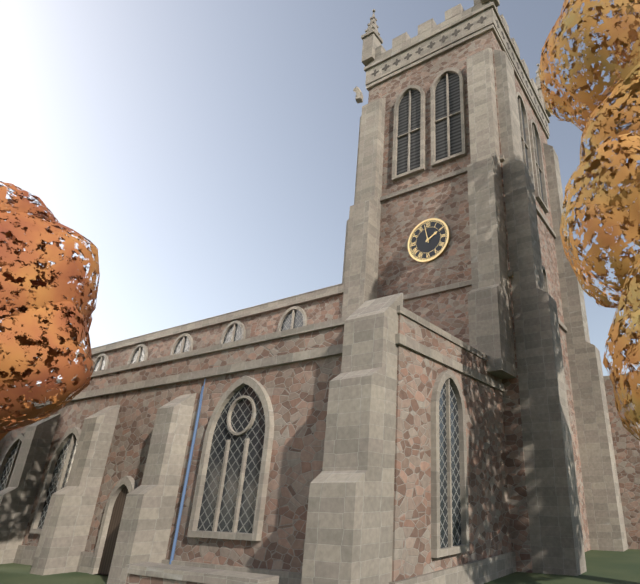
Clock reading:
**1:58**
